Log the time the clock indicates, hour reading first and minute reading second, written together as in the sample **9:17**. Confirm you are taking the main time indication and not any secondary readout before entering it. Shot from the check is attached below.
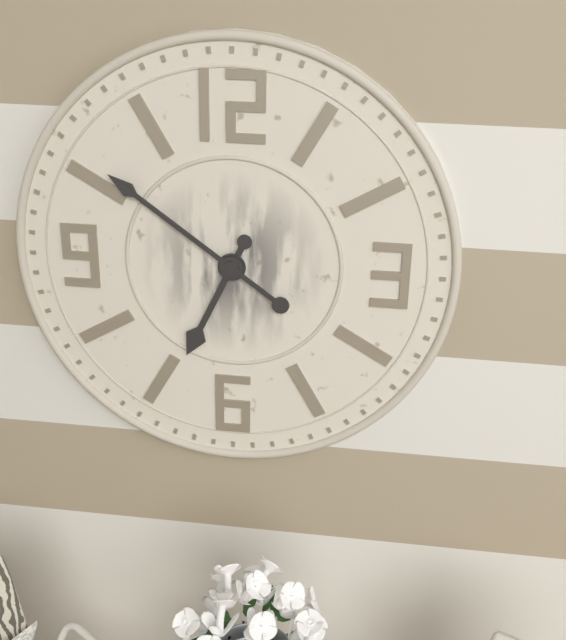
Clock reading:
**6:51**
